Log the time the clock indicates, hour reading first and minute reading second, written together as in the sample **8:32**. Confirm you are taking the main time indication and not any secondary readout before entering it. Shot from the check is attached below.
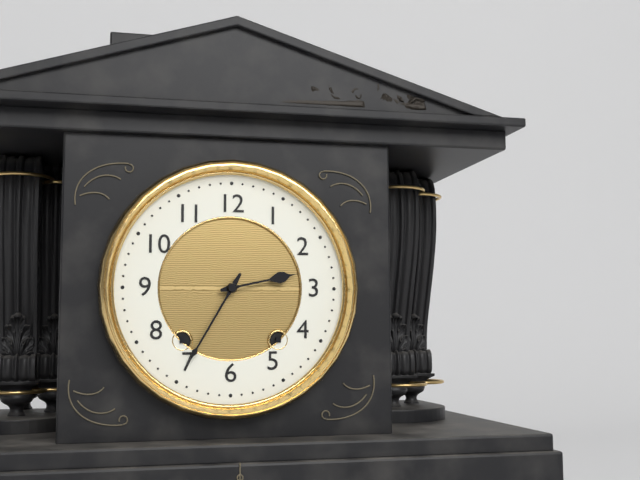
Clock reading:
**2:35**
